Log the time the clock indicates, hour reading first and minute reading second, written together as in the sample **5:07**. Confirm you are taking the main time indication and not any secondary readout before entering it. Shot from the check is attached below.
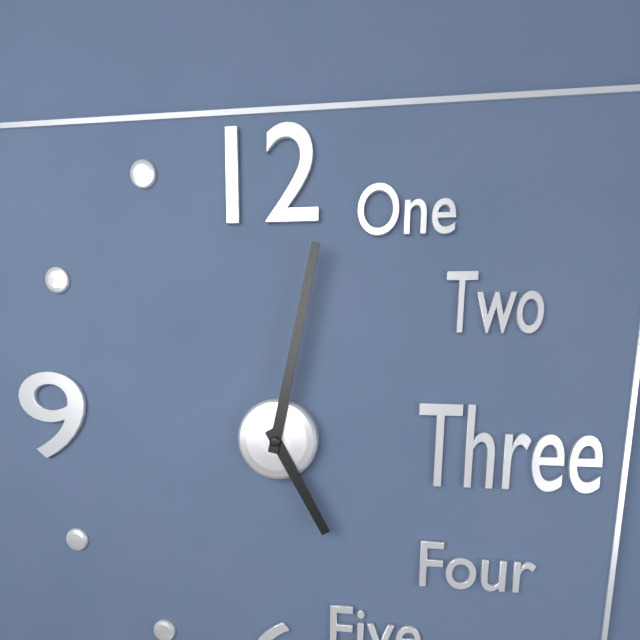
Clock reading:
**5:02**
